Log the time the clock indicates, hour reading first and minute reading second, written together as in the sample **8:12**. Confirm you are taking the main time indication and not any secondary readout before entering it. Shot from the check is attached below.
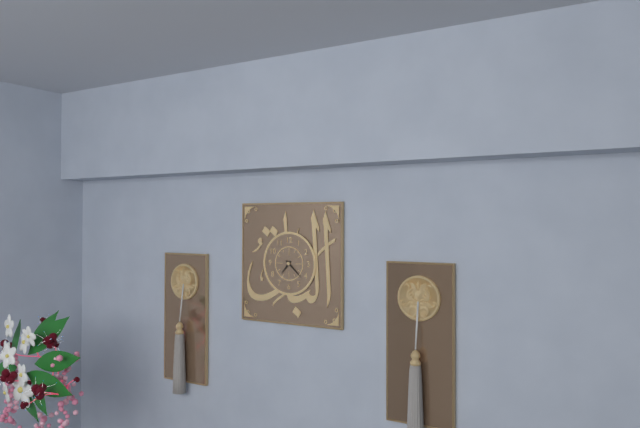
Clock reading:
**7:22**
